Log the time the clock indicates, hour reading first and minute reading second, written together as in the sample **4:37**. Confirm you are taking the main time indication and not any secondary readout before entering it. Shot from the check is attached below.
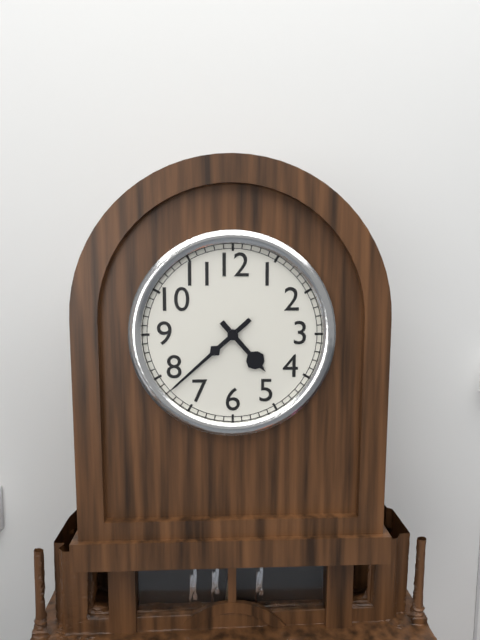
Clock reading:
**4:38**
